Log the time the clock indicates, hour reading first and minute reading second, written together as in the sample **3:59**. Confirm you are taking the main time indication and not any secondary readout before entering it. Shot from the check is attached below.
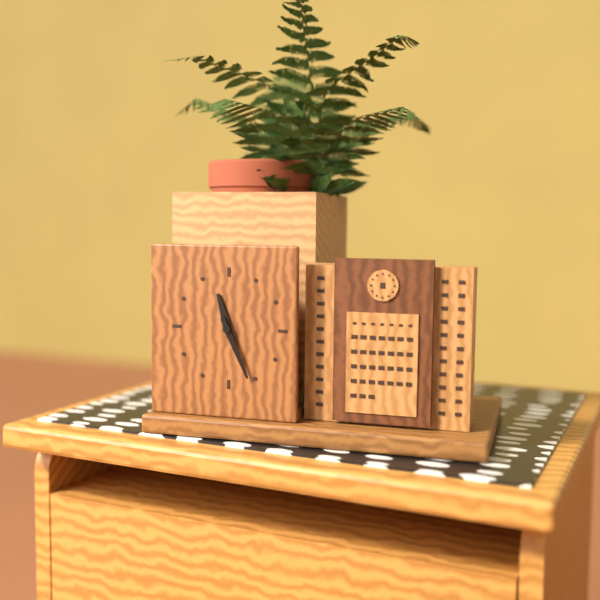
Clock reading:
**11:26**
